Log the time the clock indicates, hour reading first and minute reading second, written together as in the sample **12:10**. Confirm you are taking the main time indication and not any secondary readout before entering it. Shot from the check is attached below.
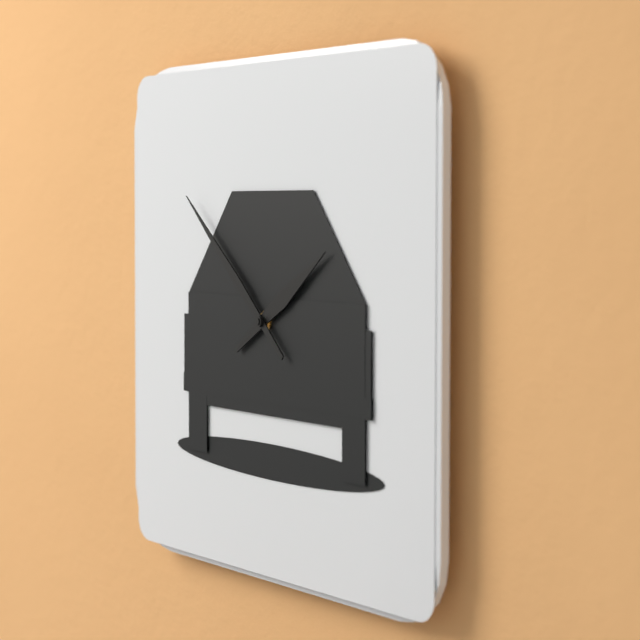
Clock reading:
**1:52**
